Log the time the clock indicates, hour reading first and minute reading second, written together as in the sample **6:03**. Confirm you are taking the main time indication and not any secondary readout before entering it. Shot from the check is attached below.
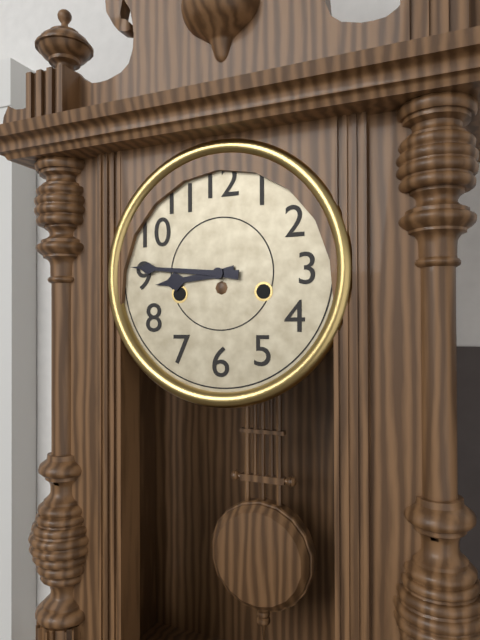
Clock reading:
**8:46**
